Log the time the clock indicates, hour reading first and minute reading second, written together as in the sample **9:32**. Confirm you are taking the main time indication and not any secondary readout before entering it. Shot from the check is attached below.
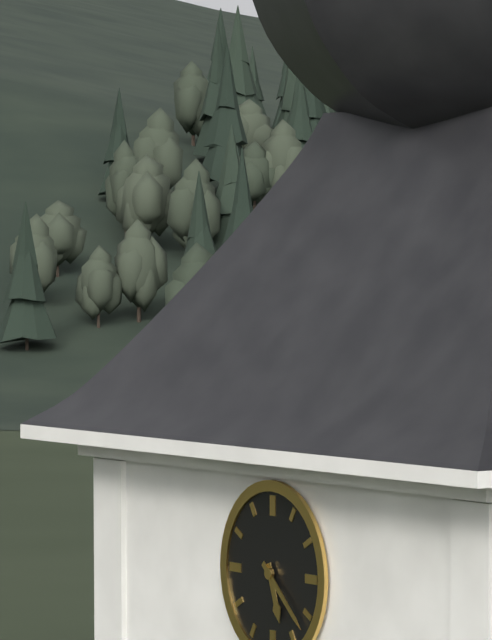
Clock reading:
**5:22**
